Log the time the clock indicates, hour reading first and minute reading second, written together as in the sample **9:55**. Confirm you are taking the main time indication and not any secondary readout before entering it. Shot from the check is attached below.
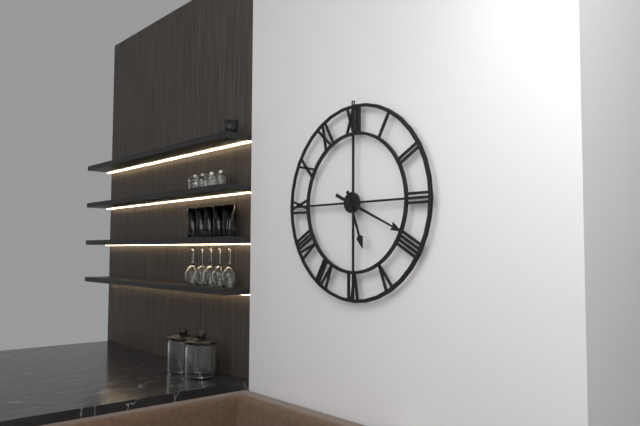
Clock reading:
**5:19**
